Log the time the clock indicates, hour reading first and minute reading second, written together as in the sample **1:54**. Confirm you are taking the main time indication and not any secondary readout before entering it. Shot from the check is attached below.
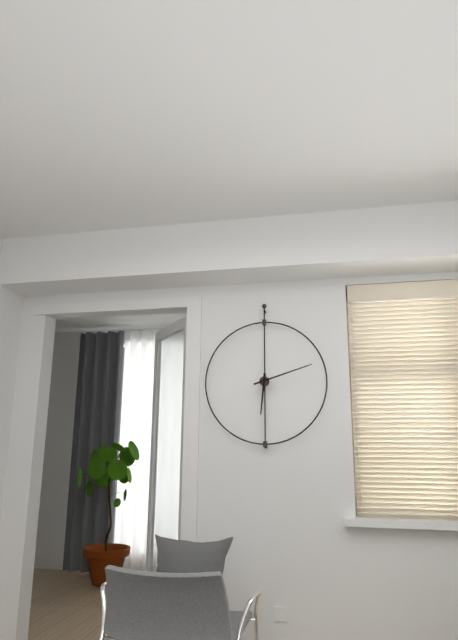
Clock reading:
**6:12**
